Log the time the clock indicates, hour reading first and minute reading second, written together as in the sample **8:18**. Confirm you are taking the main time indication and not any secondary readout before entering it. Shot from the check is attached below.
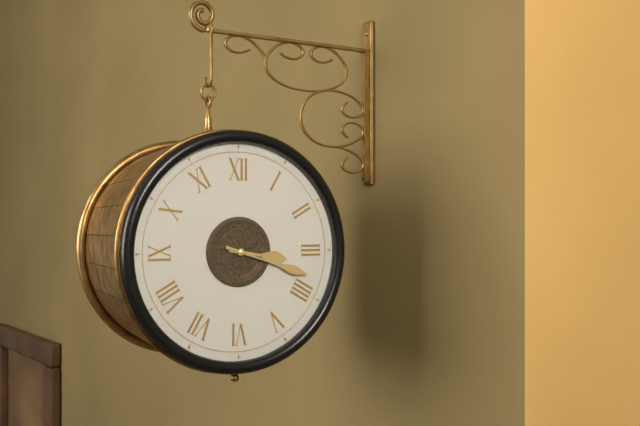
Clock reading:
**3:18**
